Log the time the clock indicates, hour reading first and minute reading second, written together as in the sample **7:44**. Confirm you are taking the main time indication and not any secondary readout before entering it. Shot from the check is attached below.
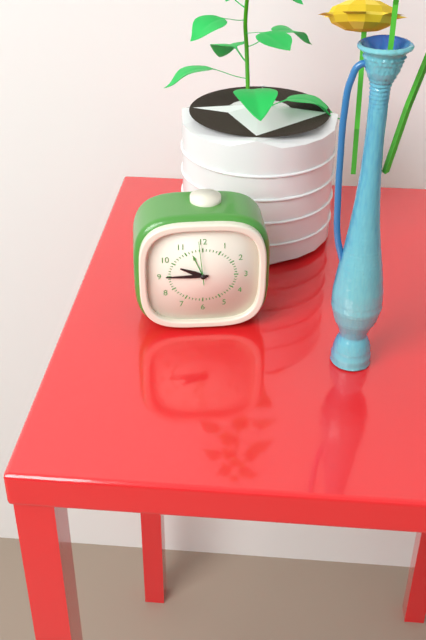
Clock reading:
**9:45**
